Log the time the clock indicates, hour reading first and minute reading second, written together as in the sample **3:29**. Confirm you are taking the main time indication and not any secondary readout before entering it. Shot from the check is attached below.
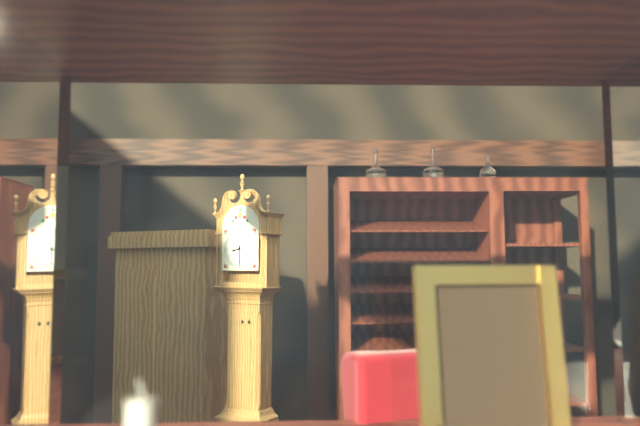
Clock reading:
**8:30**
